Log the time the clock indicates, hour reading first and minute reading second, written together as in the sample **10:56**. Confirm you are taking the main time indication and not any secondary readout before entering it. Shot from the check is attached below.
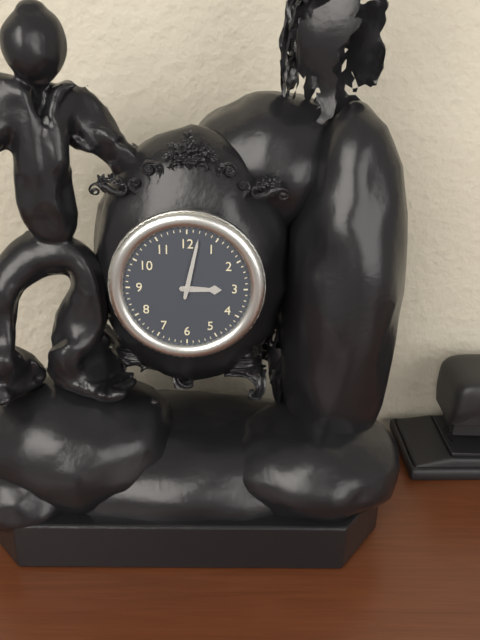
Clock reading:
**3:02**
